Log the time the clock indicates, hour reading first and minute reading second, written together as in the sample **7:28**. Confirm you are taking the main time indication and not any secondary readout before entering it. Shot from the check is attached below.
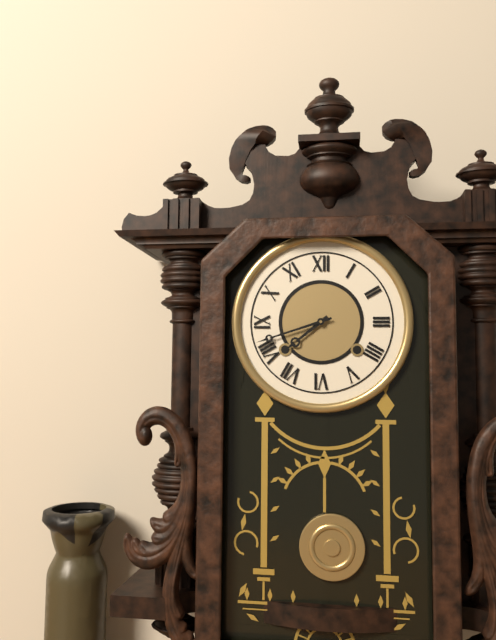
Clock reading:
**7:42**
